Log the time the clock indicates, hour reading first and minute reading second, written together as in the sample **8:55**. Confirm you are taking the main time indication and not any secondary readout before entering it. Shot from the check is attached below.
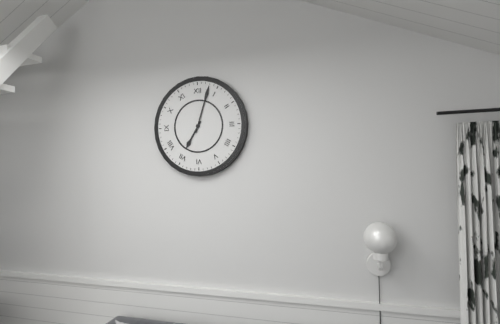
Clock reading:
**7:03**
